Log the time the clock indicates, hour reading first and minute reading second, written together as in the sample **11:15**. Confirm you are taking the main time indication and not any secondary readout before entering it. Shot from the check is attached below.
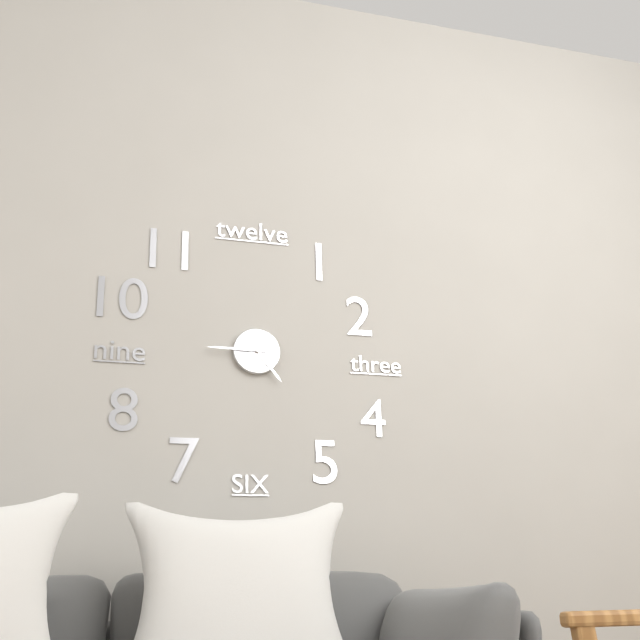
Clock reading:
**4:45**
